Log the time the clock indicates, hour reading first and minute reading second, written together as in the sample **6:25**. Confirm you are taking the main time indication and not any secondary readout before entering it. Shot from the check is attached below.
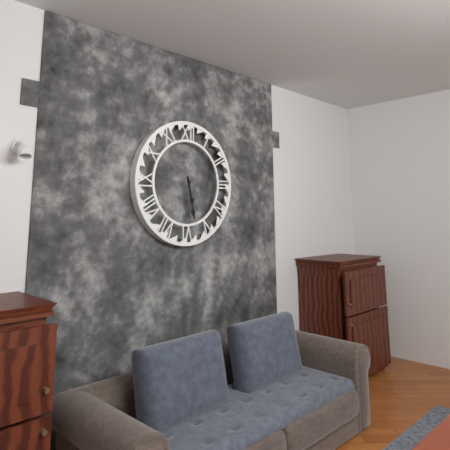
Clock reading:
**5:28**
